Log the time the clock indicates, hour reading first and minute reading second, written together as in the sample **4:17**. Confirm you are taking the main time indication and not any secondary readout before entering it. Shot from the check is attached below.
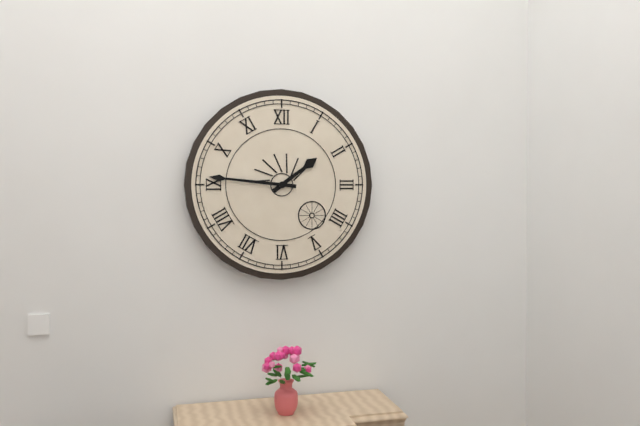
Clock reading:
**1:46**
